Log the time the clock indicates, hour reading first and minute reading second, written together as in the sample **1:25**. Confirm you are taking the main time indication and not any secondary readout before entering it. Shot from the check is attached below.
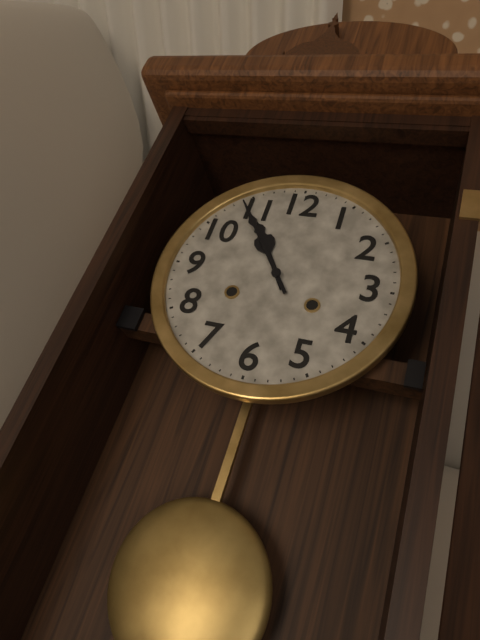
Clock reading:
**10:54**
